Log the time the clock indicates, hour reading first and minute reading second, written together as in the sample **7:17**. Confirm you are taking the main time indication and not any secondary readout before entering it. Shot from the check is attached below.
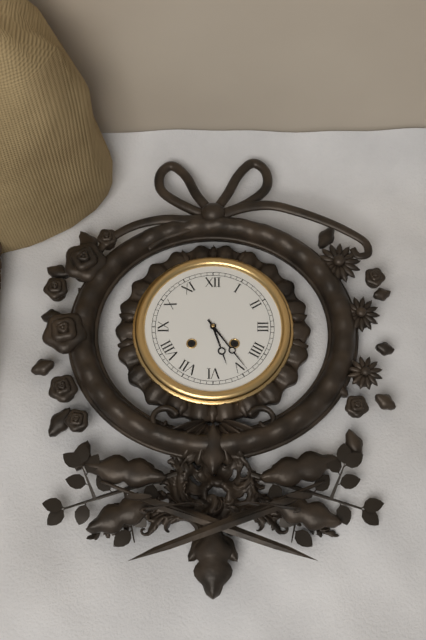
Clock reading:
**5:24**
